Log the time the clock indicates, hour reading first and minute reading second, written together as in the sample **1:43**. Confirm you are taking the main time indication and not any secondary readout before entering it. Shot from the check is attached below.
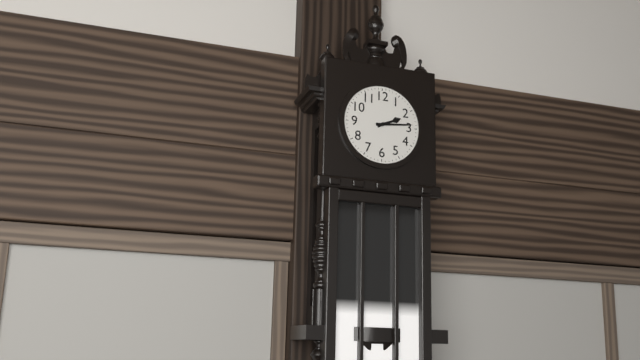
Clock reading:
**2:14**
